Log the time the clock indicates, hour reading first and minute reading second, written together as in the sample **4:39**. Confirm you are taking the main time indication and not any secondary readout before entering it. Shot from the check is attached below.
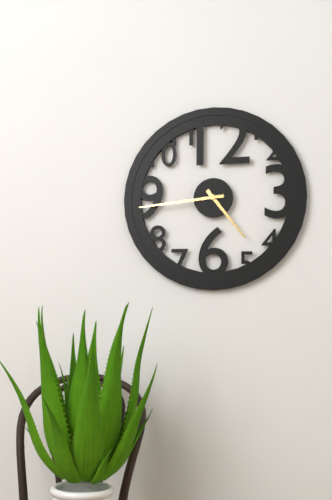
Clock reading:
**4:44**
